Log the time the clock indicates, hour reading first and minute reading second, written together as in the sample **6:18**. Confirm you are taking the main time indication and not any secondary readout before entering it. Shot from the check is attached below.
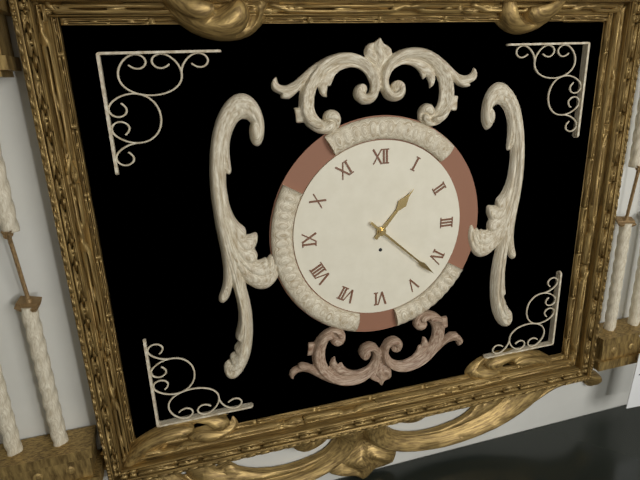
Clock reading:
**1:22**
